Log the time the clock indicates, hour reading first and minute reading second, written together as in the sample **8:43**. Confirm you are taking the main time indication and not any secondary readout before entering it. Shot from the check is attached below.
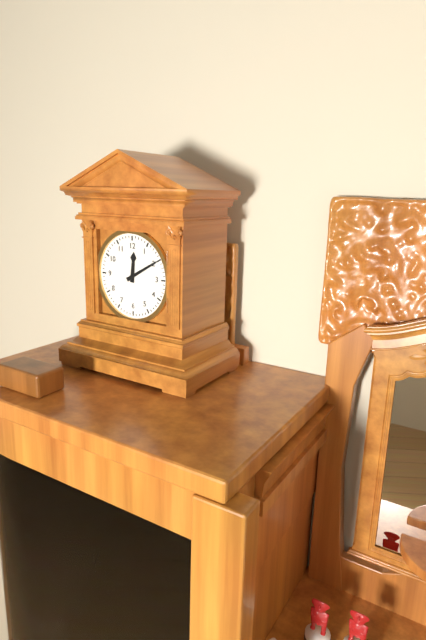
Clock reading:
**12:10**
